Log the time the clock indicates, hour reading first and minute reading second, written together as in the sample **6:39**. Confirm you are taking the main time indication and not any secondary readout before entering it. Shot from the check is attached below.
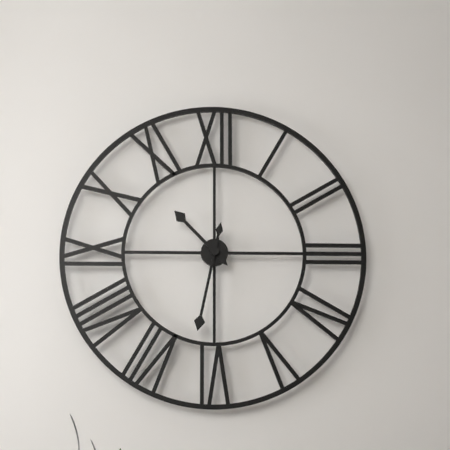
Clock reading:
**10:32**
